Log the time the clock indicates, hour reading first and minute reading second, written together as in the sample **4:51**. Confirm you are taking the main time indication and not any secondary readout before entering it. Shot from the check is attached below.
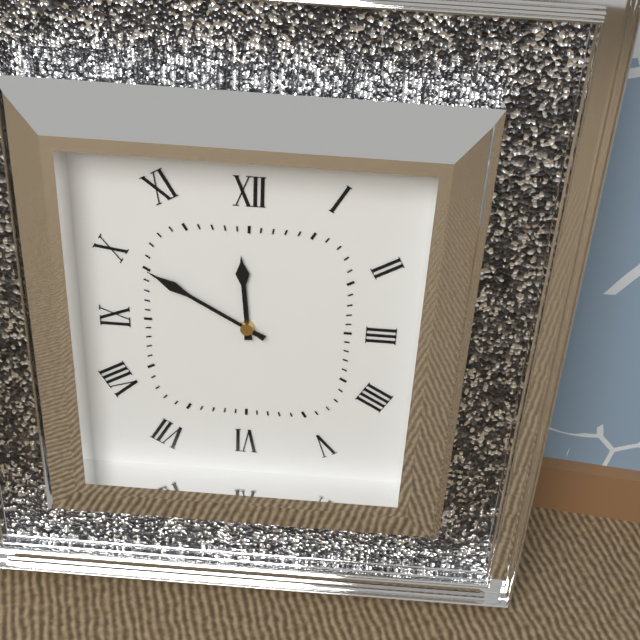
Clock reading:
**11:50**
